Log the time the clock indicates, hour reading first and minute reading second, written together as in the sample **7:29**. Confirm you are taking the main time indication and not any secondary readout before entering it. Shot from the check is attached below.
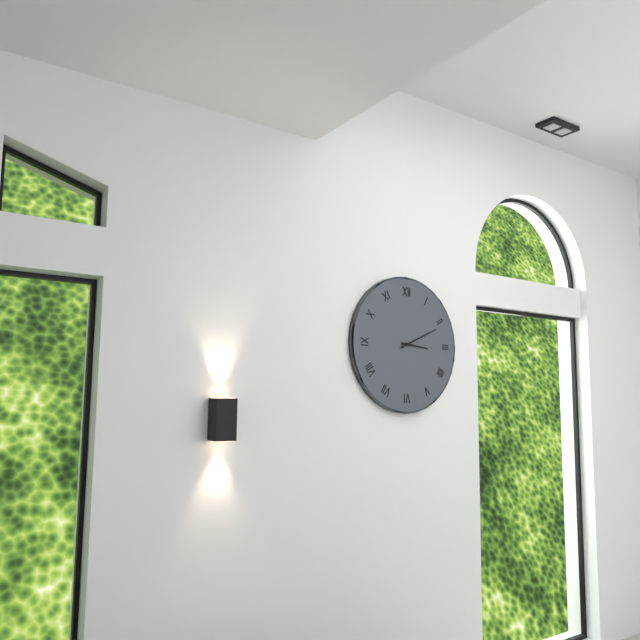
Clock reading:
**3:11**
